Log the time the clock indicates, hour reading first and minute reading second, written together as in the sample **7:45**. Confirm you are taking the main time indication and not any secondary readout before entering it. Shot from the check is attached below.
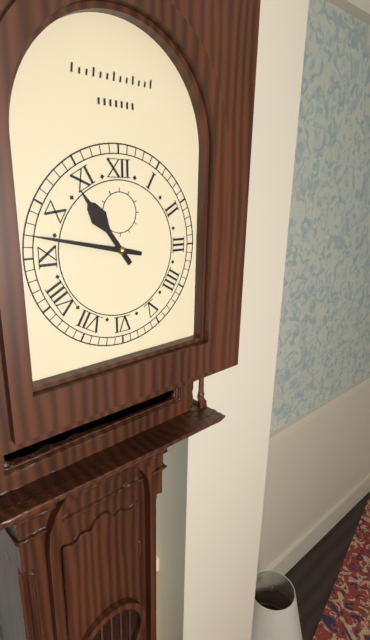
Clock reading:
**10:47**
